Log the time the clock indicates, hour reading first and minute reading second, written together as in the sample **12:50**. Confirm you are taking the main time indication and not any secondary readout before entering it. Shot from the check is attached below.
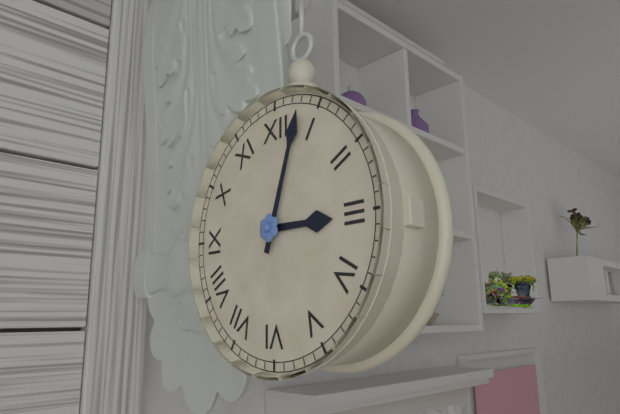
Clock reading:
**3:03**
